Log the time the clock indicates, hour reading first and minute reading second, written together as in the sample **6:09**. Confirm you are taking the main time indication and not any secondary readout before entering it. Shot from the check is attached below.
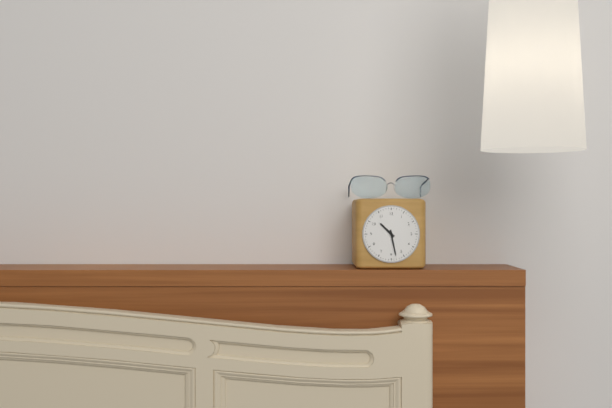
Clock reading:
**10:28**
